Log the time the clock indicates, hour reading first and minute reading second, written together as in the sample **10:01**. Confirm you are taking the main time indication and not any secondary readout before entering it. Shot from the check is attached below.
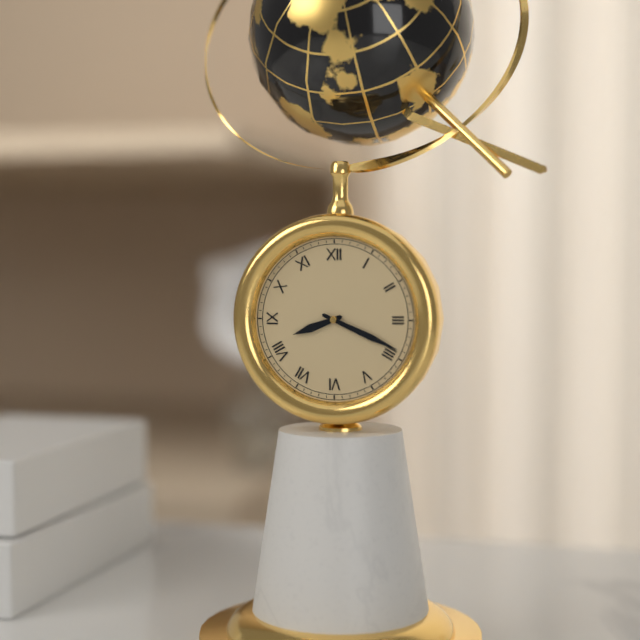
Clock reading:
**8:19**
